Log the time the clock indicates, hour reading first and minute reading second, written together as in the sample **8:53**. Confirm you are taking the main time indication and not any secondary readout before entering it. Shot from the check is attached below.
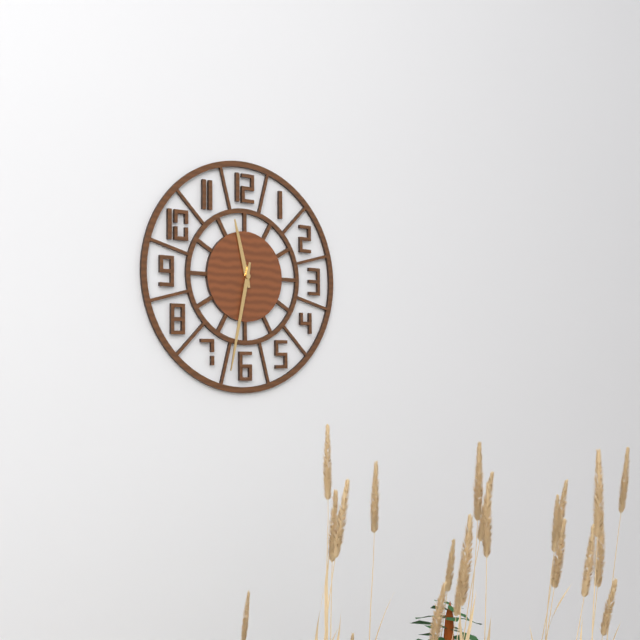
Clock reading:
**11:32**
